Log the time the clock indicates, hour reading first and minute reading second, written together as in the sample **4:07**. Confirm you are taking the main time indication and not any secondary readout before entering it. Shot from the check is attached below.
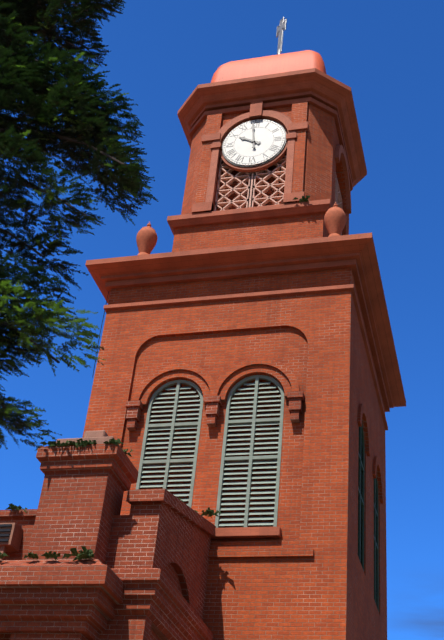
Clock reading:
**9:59**
